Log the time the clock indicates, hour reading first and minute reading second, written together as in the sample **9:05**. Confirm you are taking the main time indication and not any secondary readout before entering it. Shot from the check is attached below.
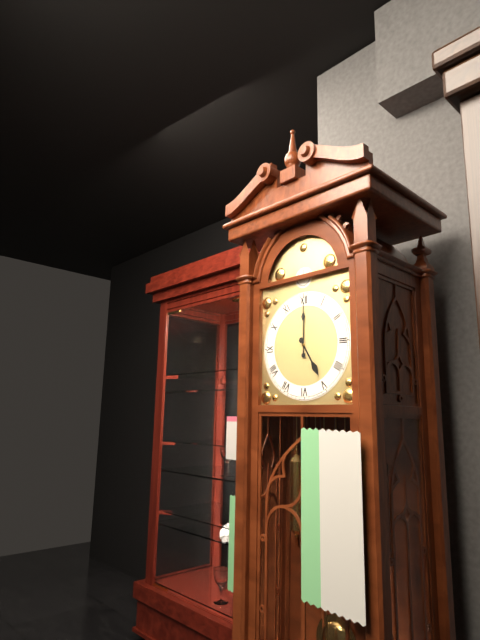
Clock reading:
**5:00**
